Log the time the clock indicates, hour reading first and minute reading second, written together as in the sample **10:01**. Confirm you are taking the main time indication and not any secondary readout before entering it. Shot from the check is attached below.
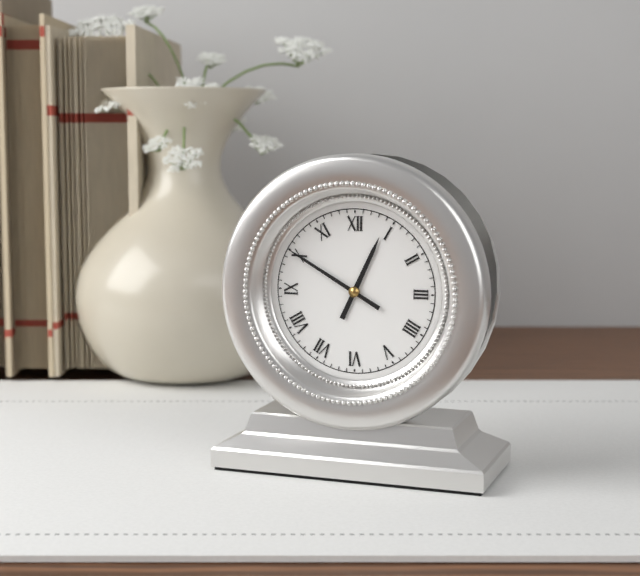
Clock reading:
**12:50**
